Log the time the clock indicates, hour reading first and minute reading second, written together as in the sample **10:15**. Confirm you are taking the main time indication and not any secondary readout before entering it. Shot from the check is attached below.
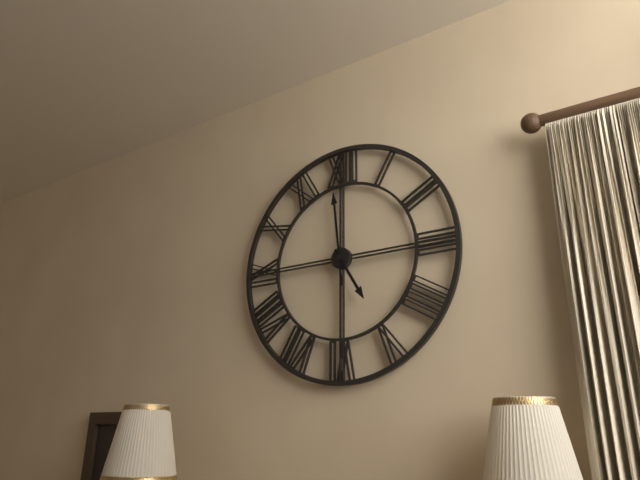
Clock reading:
**4:59**
